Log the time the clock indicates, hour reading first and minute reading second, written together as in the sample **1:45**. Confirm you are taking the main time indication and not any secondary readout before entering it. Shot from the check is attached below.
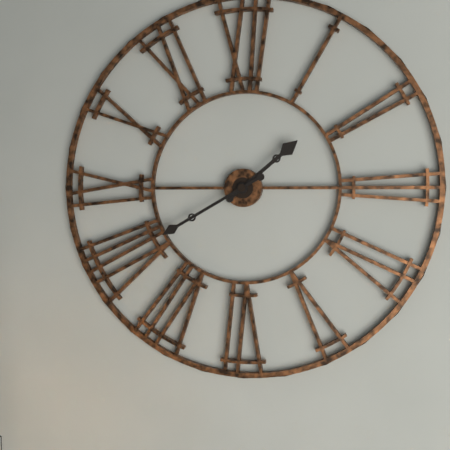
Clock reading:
**1:40**
